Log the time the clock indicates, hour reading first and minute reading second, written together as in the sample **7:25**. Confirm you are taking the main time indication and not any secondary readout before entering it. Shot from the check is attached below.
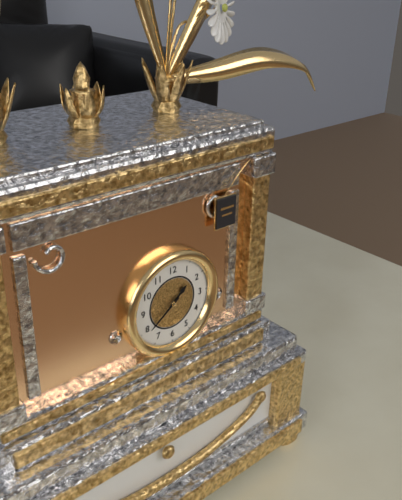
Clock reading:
**1:39**
